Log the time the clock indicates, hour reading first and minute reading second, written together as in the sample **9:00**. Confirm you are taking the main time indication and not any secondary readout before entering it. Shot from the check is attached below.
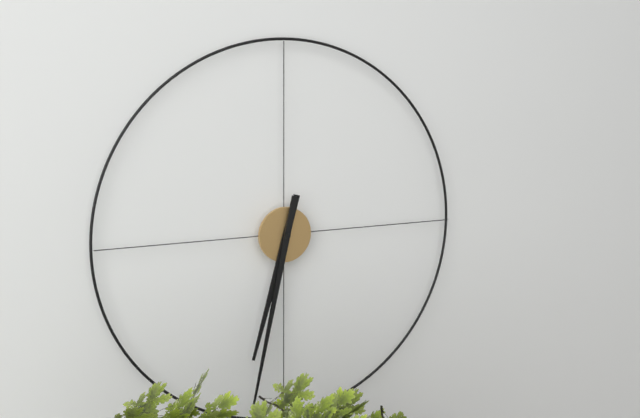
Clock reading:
**6:32**
